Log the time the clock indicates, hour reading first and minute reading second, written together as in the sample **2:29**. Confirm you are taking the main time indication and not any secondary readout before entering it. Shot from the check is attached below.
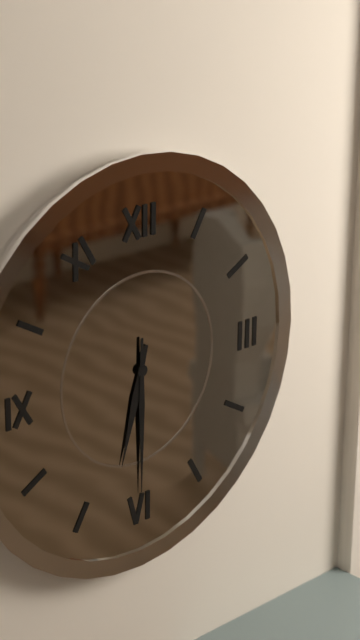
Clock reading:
**6:30**
